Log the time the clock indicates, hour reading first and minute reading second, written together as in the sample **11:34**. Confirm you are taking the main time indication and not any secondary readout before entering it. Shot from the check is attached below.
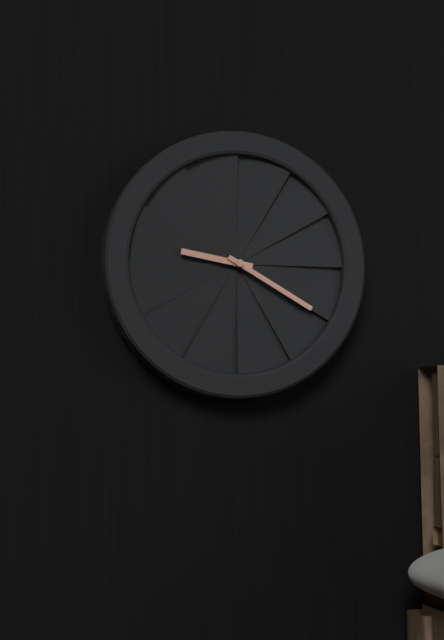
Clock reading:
**9:20**
